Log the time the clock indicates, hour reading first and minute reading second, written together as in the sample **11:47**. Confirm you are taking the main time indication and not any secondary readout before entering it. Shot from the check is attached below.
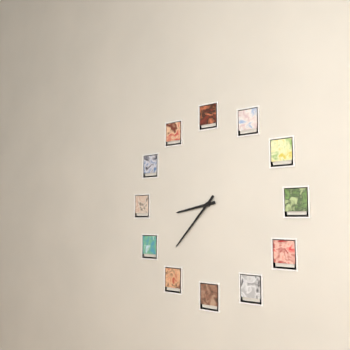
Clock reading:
**8:37**
